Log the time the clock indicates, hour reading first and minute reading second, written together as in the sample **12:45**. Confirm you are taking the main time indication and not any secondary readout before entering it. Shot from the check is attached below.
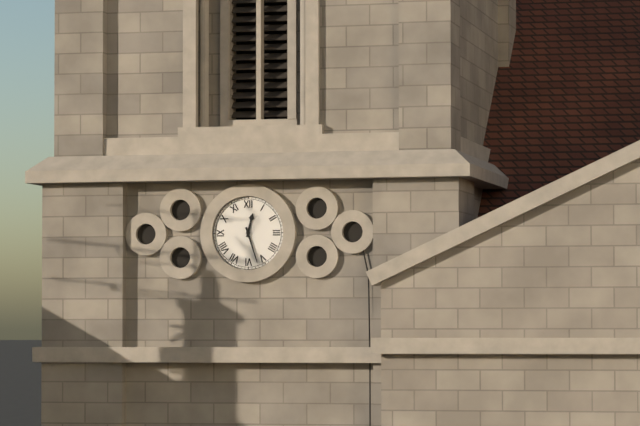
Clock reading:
**12:27**
